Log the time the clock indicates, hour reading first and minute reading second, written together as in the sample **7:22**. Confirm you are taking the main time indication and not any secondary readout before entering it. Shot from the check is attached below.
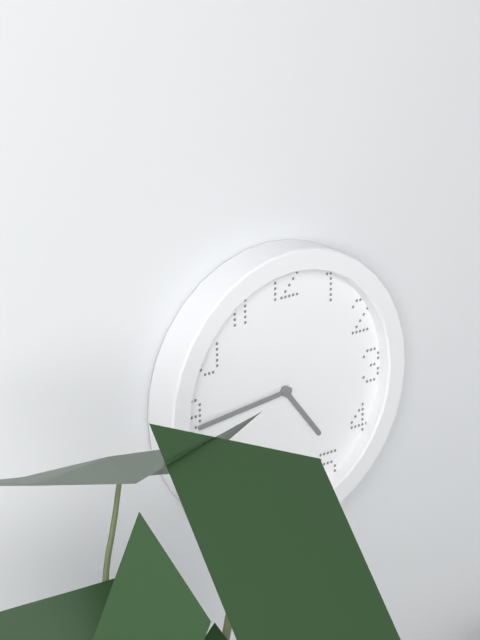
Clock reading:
**4:44**
